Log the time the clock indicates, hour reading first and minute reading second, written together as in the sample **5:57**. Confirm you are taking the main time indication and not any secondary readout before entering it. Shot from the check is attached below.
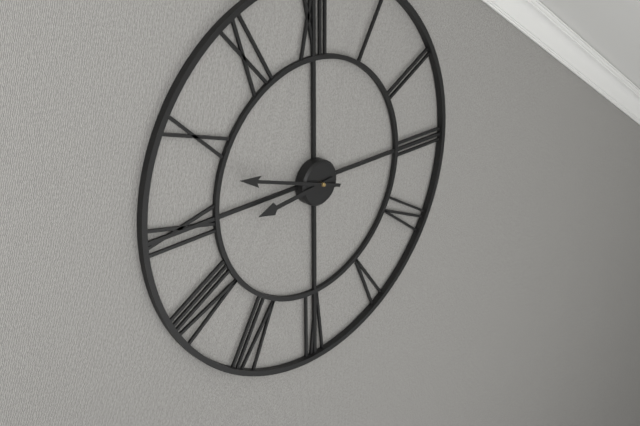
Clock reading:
**8:48**
